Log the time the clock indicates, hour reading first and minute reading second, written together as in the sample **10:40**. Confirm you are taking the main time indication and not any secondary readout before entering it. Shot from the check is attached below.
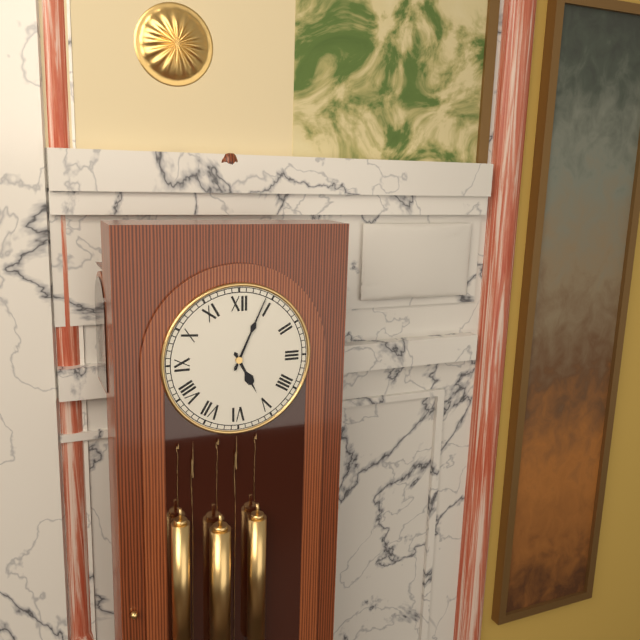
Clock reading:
**5:04**
